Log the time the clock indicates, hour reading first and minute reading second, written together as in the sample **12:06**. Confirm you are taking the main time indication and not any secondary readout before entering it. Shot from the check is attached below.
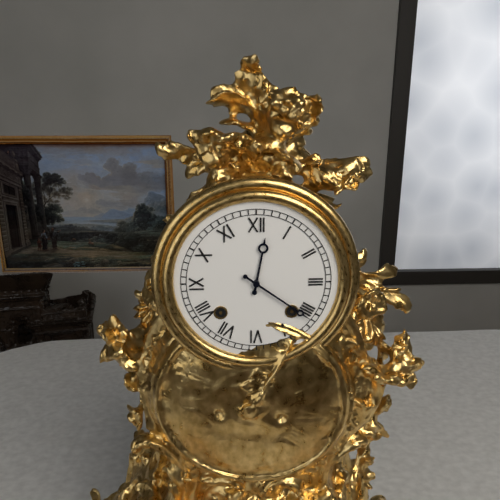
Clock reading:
**12:21**
